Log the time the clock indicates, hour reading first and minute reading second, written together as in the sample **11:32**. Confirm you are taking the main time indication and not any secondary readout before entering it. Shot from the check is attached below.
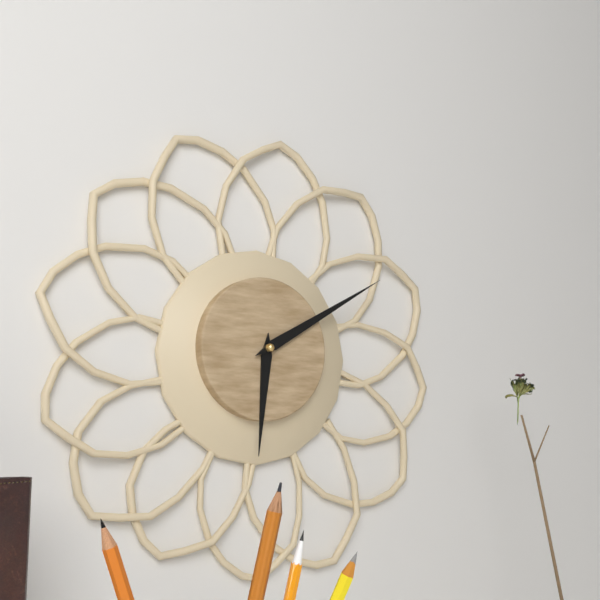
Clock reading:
**6:10**
